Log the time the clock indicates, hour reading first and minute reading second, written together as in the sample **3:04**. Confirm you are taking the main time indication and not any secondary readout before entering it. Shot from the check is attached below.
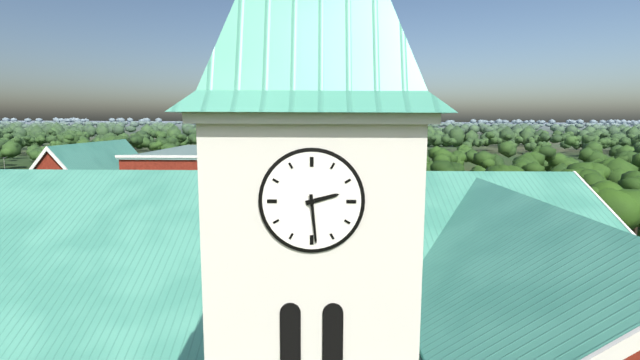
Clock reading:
**2:29**
